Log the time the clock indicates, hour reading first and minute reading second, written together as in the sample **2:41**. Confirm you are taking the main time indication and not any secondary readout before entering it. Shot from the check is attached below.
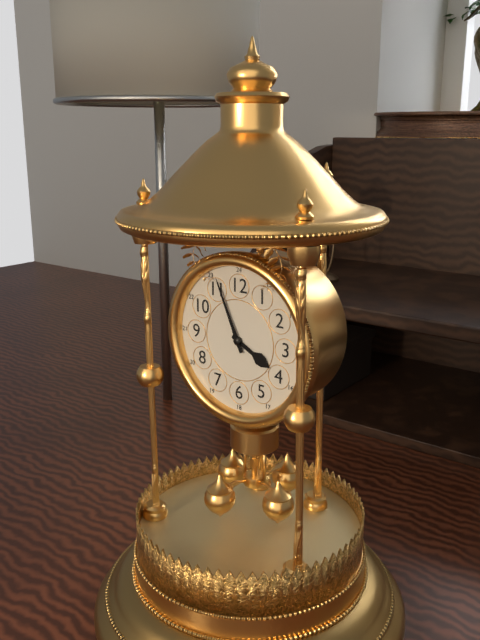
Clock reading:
**3:56**
